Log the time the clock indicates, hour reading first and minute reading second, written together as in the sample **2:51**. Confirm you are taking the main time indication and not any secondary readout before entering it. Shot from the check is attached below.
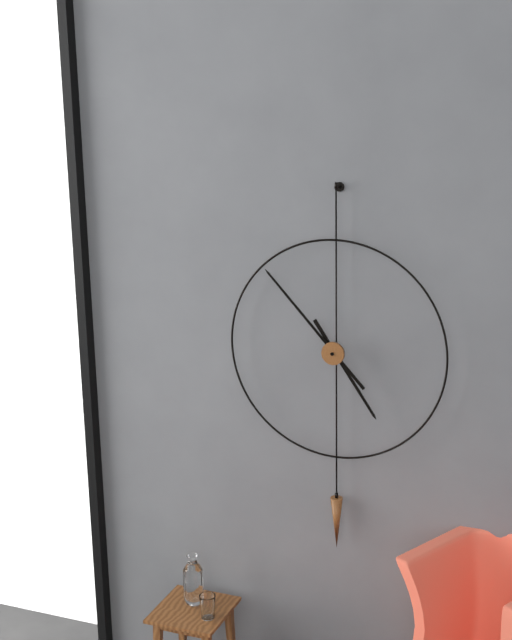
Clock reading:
**4:53**
